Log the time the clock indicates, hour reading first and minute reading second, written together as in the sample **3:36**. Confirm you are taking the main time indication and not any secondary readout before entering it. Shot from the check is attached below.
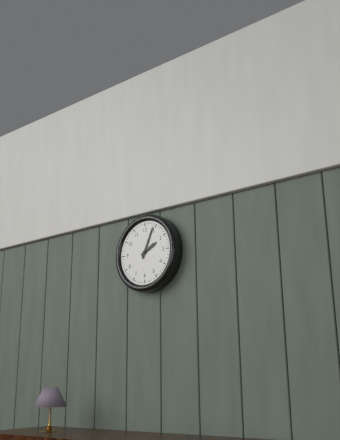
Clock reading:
**2:04**
